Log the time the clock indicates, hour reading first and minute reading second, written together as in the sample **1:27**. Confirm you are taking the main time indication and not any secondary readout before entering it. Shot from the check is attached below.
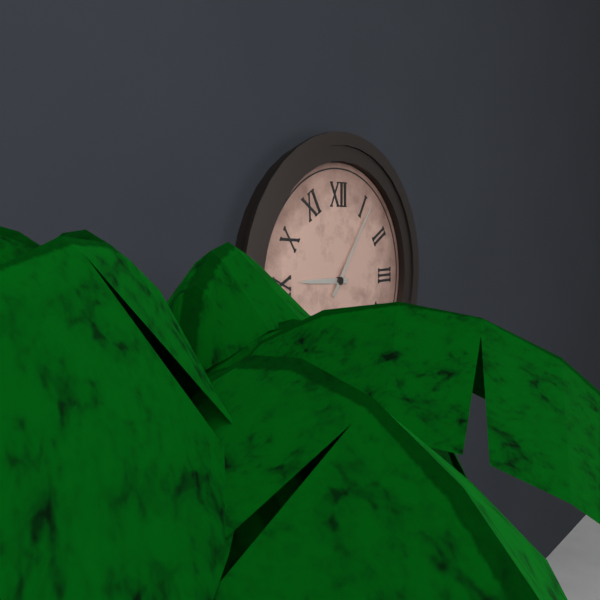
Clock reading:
**9:06**
